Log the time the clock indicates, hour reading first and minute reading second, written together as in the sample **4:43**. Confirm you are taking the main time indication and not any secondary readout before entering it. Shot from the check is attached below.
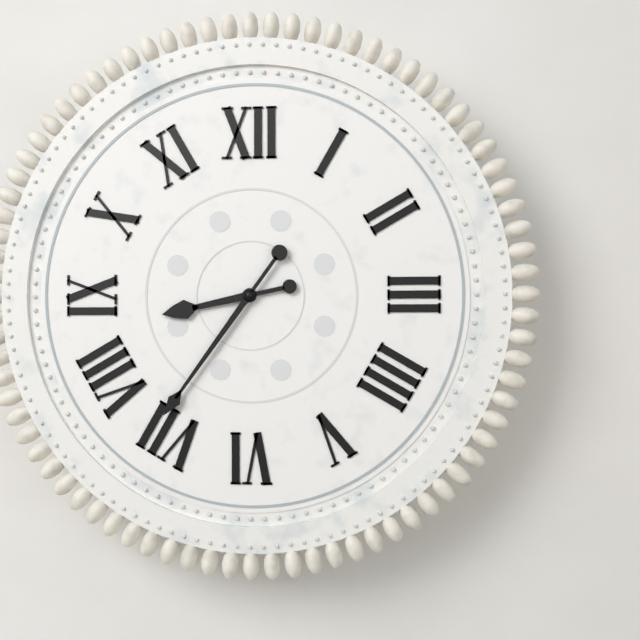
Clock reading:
**8:36**
